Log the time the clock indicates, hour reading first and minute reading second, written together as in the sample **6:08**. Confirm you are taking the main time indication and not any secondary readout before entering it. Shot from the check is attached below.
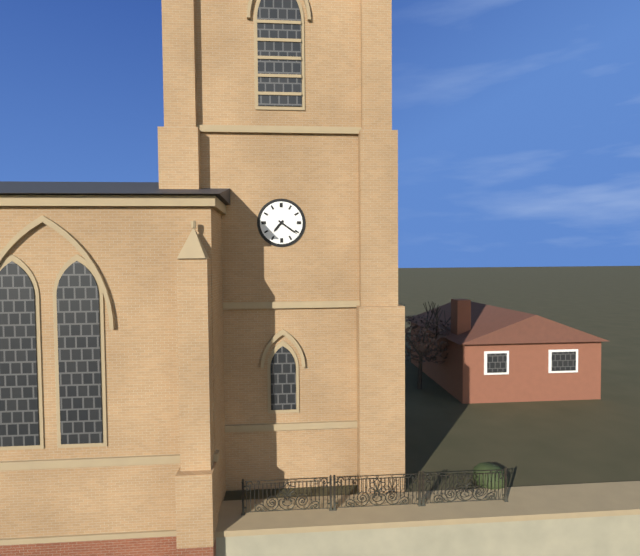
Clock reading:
**7:21**
